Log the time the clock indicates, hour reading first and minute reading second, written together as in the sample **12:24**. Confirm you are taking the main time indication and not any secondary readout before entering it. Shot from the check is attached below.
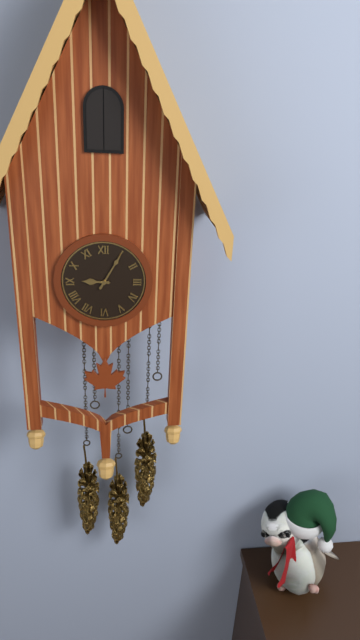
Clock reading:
**9:05**
